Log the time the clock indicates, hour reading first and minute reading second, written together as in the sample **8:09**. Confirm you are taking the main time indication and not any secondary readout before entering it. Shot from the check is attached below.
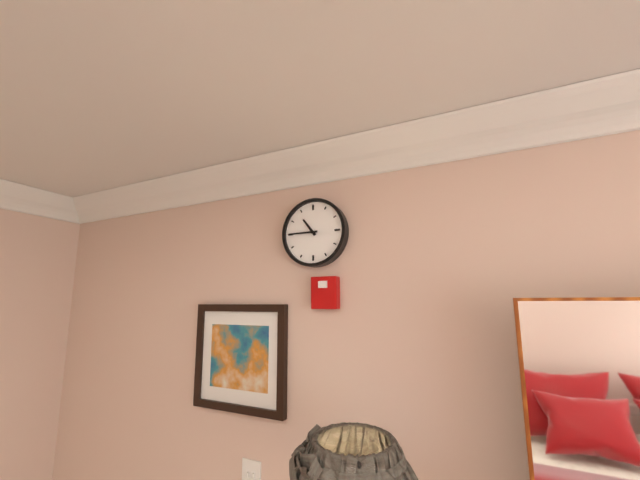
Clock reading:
**10:45**
